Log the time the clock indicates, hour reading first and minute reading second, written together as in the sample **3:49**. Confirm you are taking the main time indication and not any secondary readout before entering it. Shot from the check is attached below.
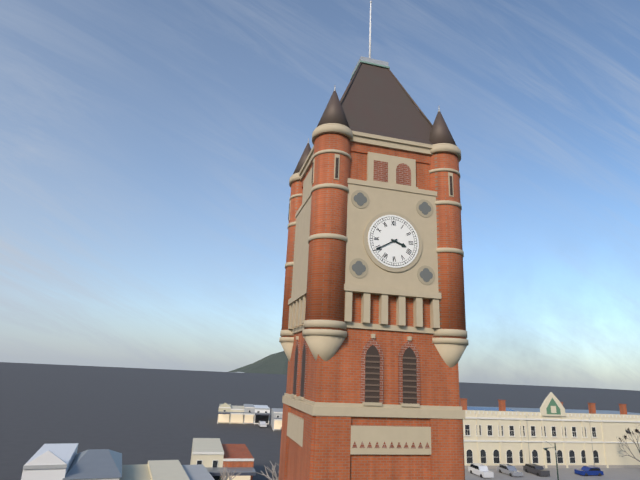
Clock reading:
**3:40**
